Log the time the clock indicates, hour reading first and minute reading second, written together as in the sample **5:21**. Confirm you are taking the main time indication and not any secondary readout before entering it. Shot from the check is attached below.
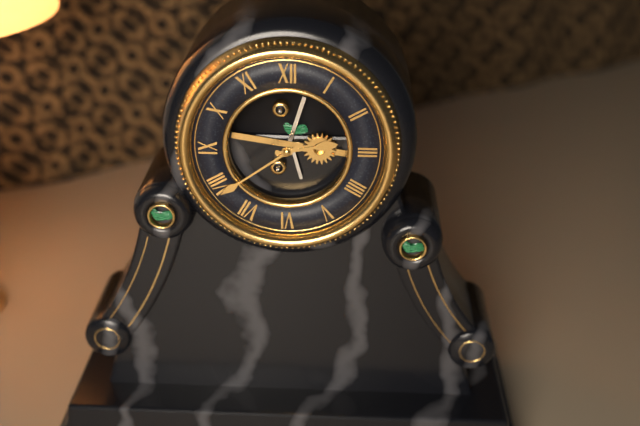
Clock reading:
**2:39**
